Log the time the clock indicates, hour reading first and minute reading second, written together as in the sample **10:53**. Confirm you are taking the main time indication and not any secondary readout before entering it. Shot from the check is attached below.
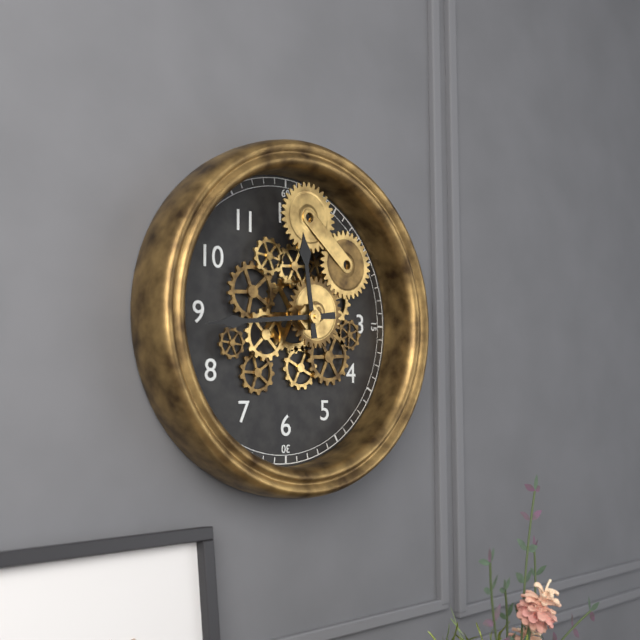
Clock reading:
**11:44**
